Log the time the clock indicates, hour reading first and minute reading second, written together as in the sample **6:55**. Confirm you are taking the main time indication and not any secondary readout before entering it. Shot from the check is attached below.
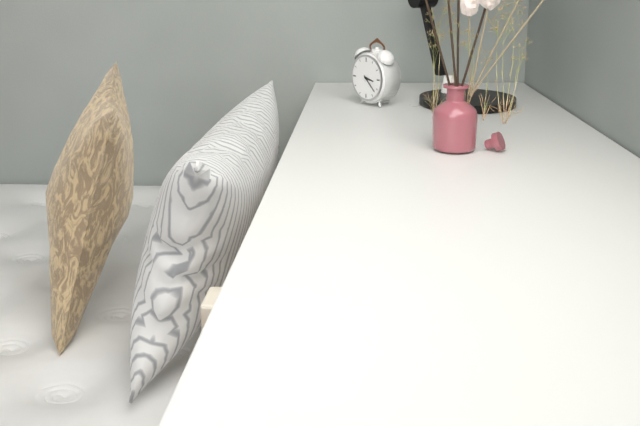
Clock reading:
**3:22**
